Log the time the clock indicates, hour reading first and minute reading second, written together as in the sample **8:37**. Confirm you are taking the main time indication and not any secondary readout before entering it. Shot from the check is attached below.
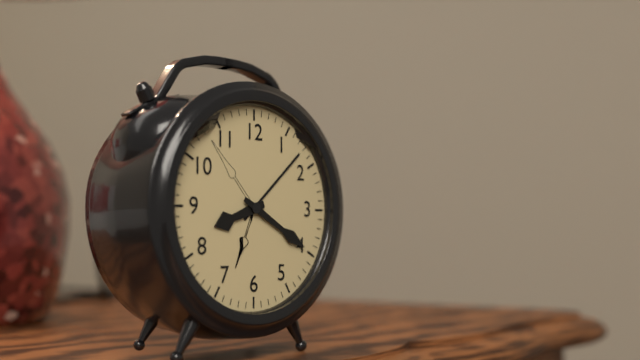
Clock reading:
**8:20**
